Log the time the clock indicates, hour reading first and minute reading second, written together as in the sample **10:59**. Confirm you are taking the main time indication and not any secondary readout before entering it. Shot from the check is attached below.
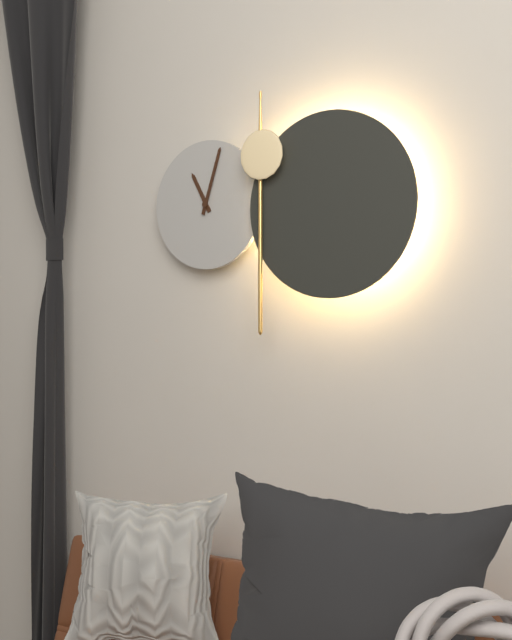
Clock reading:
**11:03**
